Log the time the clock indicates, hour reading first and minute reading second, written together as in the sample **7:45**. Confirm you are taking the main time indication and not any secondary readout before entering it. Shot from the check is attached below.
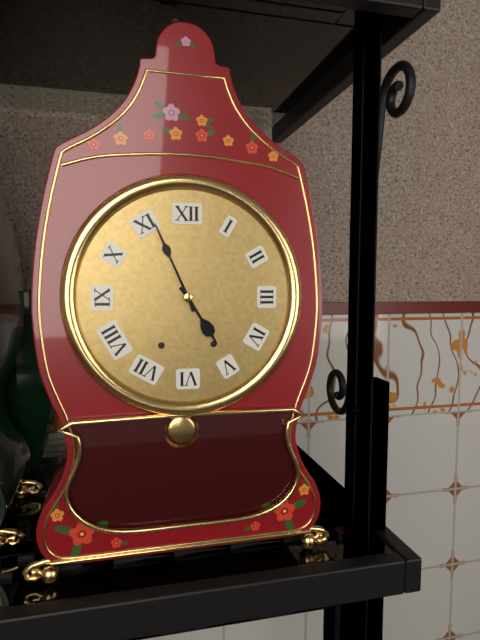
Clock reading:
**4:56**
